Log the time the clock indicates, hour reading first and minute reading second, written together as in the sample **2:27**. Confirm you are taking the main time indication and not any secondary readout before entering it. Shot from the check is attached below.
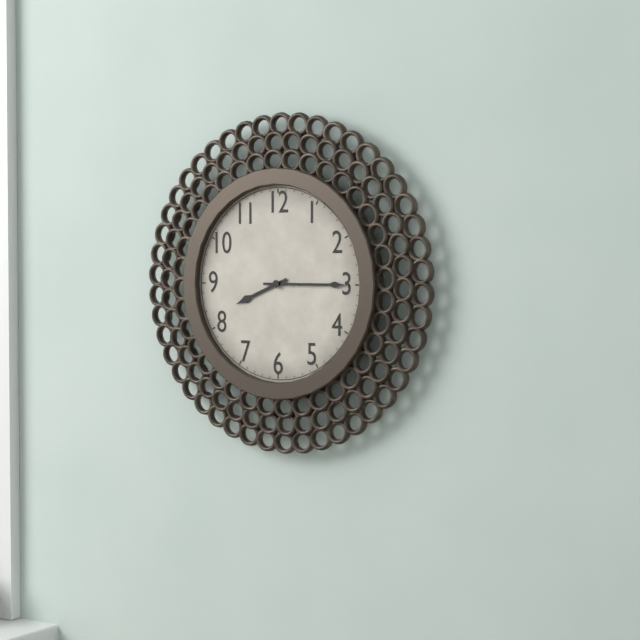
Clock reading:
**8:15**
